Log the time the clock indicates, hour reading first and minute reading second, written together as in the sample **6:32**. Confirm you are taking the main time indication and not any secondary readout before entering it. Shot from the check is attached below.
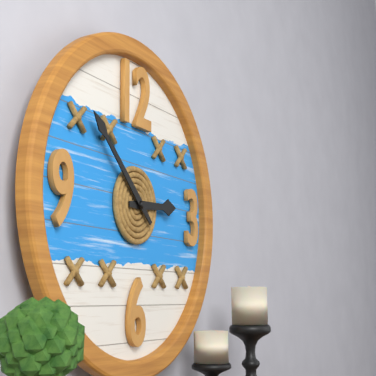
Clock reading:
**2:52**
